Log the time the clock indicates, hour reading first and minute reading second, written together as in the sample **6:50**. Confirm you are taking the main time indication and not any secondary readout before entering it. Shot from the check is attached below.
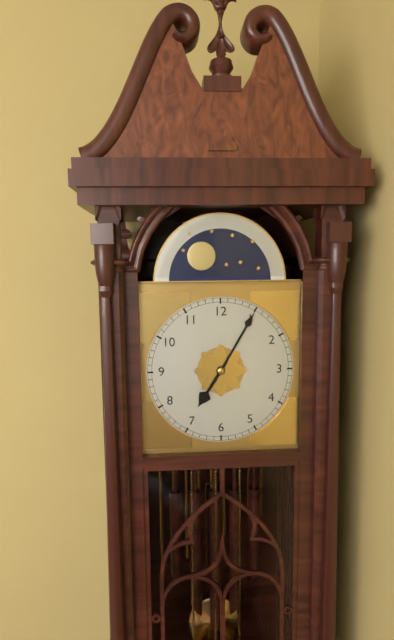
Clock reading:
**7:05**
